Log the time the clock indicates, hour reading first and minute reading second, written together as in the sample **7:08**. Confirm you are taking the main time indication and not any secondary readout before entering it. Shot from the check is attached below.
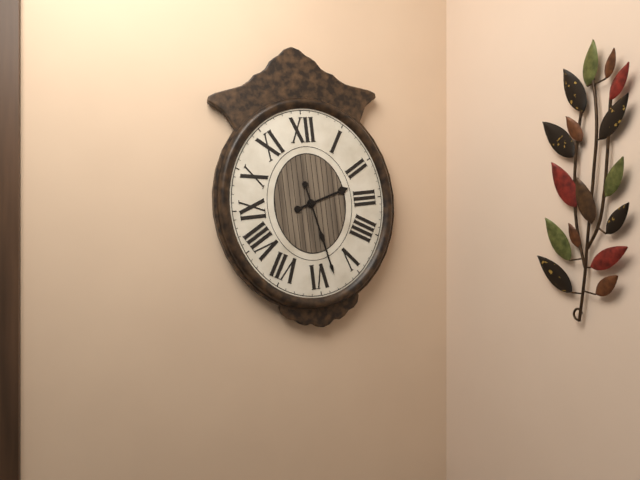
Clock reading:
**2:28**
